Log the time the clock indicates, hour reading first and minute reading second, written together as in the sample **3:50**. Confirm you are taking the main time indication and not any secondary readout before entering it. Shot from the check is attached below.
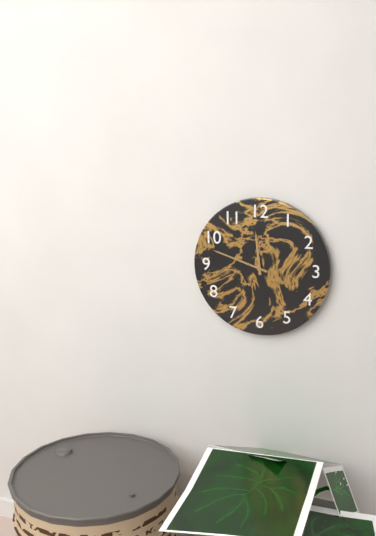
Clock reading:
**11:48**
